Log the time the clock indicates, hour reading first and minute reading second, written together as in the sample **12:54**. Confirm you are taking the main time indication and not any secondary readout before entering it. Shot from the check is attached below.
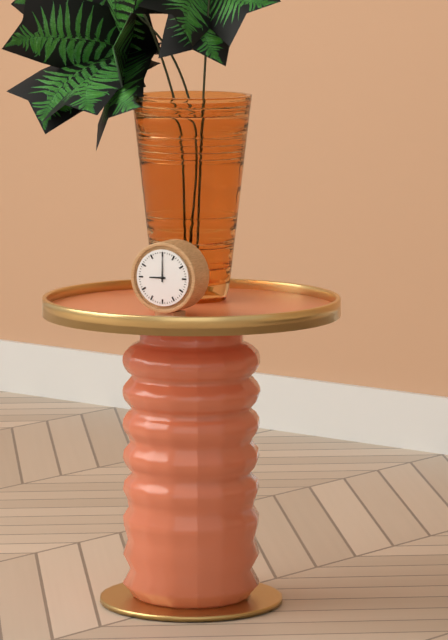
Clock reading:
**9:00**
